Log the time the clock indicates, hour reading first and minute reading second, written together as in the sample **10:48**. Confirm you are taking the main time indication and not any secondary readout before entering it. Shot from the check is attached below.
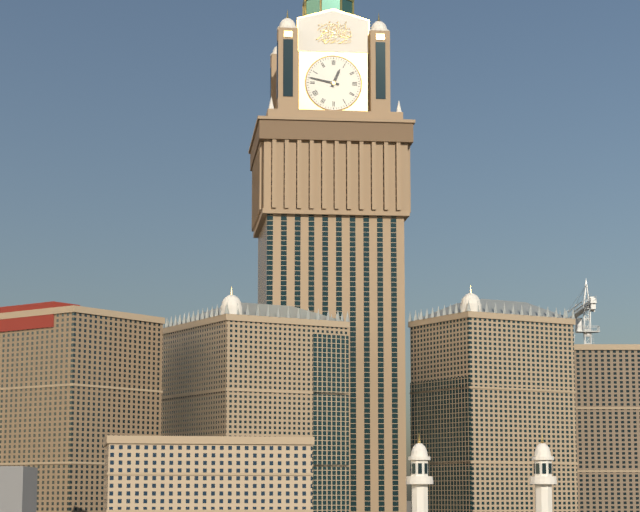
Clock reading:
**12:47**
